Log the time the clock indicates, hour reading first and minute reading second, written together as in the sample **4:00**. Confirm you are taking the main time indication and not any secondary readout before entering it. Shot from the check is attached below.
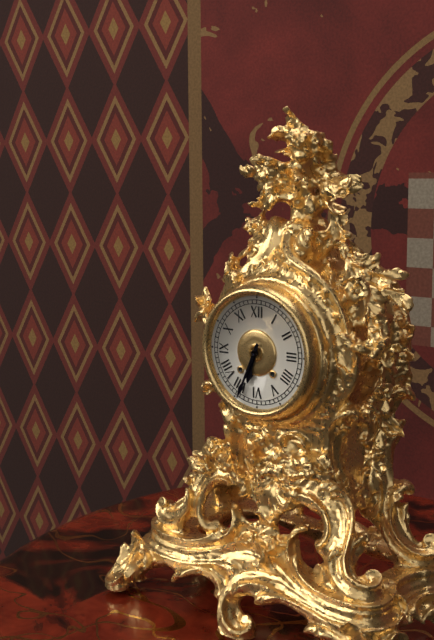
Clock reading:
**6:34**
